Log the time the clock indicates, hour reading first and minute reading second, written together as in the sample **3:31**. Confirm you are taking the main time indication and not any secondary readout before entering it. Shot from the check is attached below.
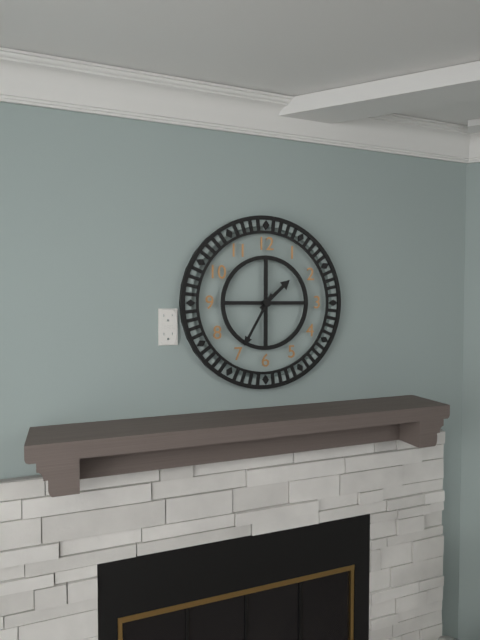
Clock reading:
**1:35**
